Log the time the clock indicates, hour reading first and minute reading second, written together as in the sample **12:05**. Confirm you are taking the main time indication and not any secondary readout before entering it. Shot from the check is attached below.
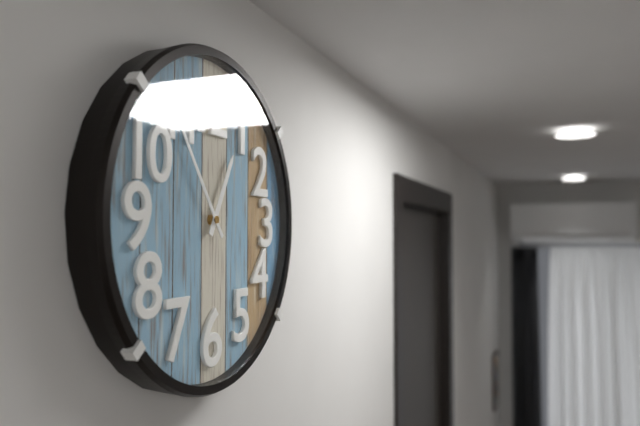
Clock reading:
**12:54**
